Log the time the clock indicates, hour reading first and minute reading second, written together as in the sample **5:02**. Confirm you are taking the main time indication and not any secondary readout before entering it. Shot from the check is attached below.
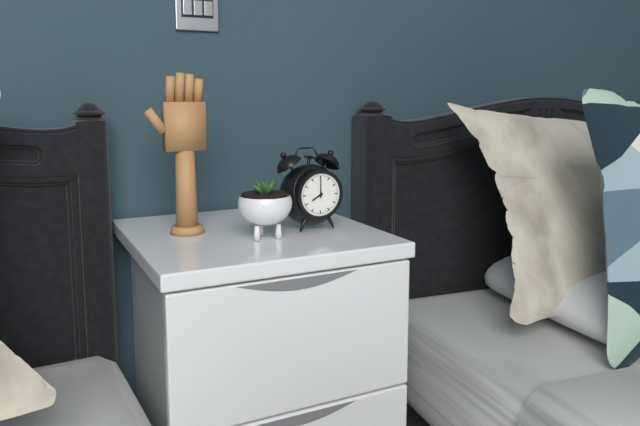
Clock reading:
**8:00**
